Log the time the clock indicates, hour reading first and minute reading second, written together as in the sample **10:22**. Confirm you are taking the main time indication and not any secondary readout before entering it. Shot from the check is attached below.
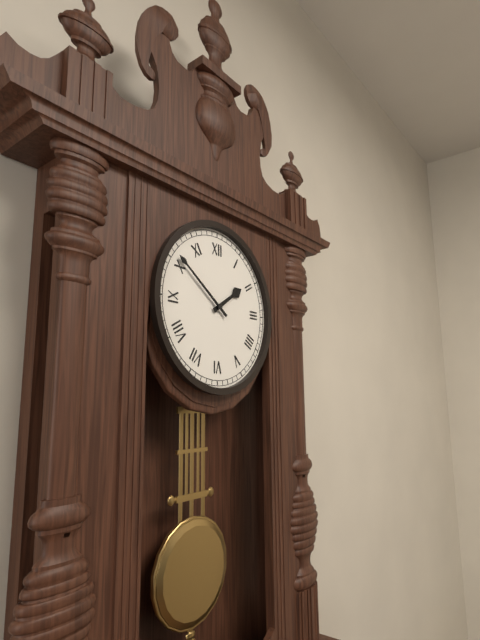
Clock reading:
**1:51**
